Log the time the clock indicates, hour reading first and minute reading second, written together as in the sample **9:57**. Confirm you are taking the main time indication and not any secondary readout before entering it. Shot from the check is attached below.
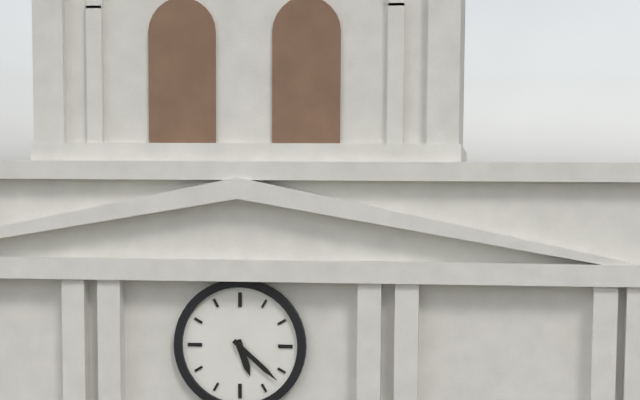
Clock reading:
**5:22**
